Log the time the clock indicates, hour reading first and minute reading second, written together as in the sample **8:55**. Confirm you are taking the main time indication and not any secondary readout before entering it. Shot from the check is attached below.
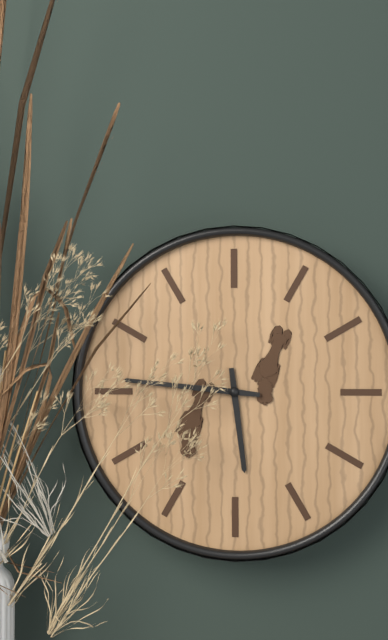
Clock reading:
**5:46**
